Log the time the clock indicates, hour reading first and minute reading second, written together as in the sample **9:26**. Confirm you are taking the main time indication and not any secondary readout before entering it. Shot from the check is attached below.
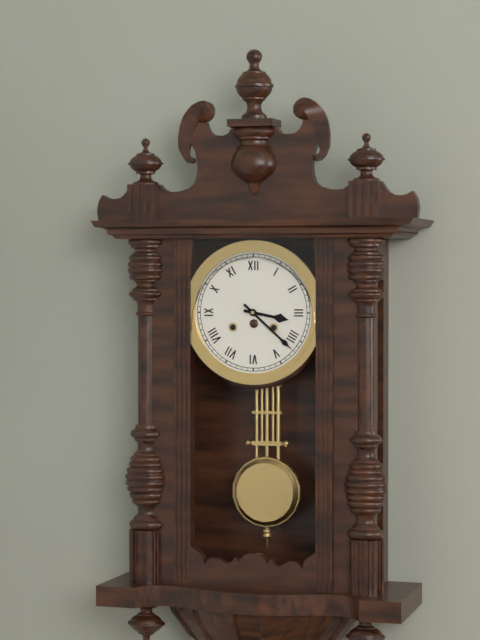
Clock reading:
**3:22**
